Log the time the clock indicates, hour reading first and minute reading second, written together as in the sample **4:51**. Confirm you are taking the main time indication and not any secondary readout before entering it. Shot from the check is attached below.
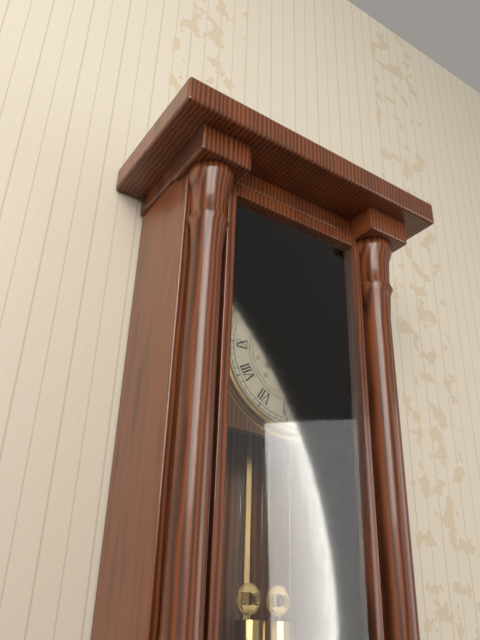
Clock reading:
**11:19**
